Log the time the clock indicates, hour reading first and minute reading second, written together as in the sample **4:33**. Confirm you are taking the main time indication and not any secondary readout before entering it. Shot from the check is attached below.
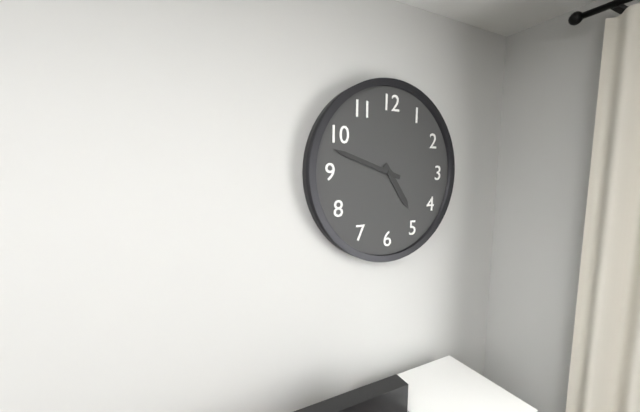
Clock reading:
**4:48**
